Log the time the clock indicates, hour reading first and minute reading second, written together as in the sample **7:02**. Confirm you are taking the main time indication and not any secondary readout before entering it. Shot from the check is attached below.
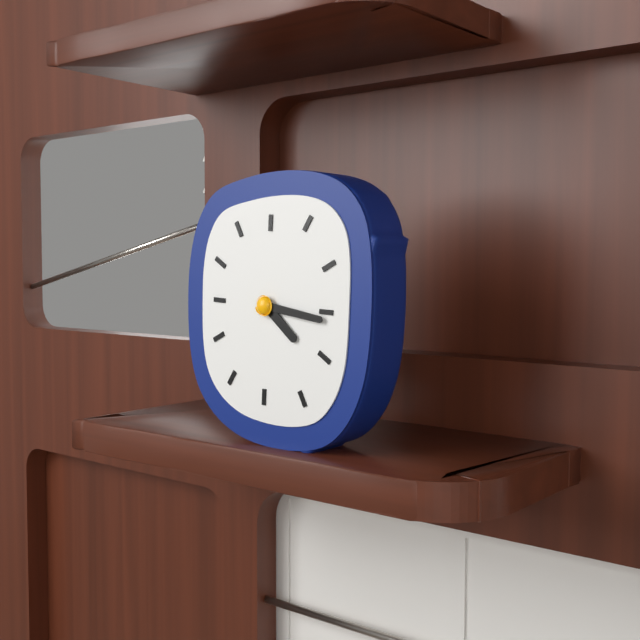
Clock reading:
**4:16**
